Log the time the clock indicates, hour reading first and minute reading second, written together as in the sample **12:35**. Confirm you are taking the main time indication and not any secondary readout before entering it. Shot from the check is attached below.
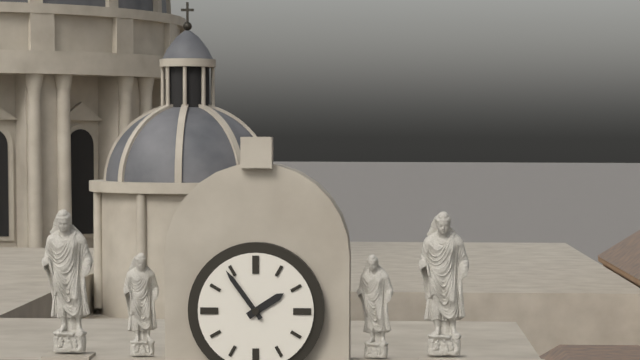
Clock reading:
**1:54**
